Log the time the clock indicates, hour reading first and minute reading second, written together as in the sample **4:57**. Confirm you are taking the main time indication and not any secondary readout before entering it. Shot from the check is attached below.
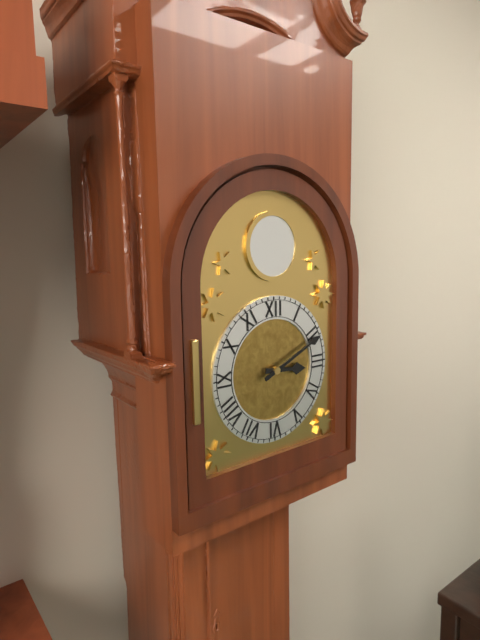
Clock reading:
**3:11**
